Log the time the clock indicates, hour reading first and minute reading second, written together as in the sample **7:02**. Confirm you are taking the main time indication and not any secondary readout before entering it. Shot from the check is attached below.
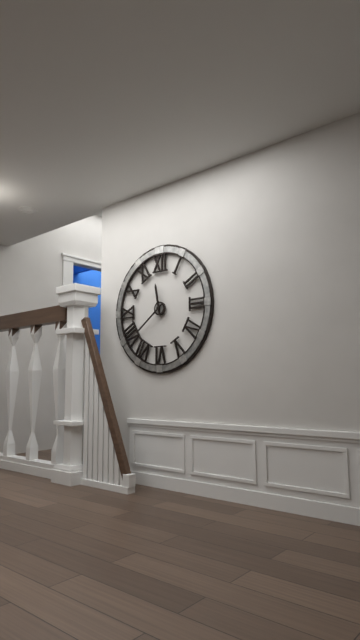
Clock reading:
**11:39**
